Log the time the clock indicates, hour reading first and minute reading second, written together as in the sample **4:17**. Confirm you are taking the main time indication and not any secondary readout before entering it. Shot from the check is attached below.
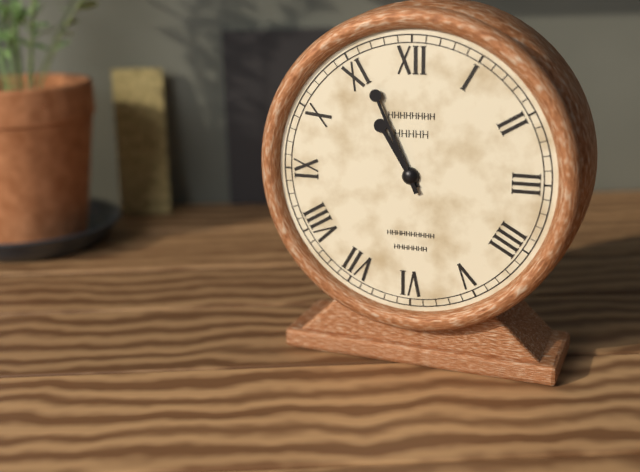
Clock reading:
**10:56**
